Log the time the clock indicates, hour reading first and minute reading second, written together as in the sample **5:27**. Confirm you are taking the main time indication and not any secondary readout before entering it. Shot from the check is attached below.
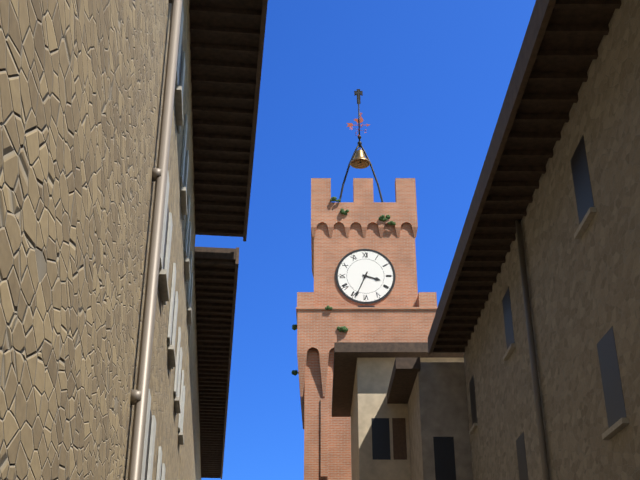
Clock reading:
**3:34**
